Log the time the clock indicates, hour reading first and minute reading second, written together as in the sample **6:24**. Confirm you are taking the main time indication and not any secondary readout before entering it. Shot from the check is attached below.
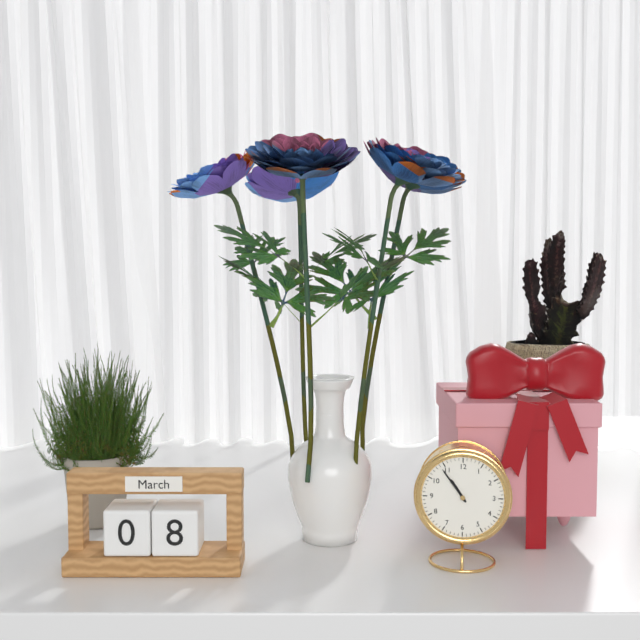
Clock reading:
**10:54**
